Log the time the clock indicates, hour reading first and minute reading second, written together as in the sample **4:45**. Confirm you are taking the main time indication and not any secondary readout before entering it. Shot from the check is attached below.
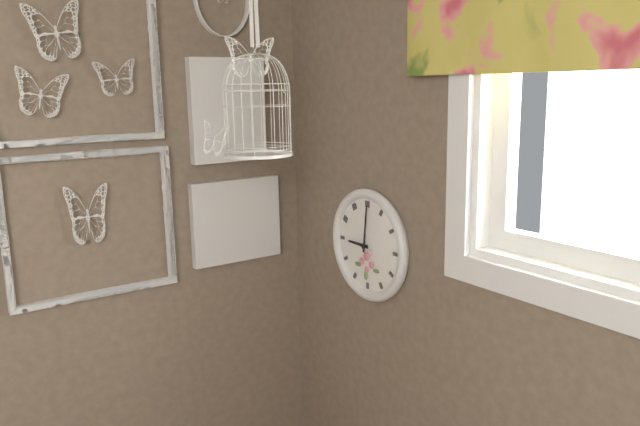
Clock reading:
**9:01**
